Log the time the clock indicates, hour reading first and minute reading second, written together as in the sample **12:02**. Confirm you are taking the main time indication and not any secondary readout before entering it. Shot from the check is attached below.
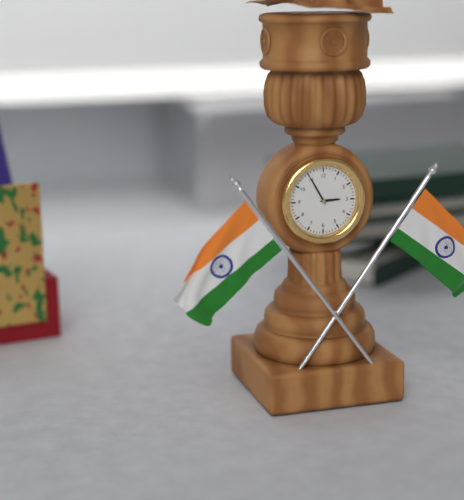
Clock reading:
**2:55**
